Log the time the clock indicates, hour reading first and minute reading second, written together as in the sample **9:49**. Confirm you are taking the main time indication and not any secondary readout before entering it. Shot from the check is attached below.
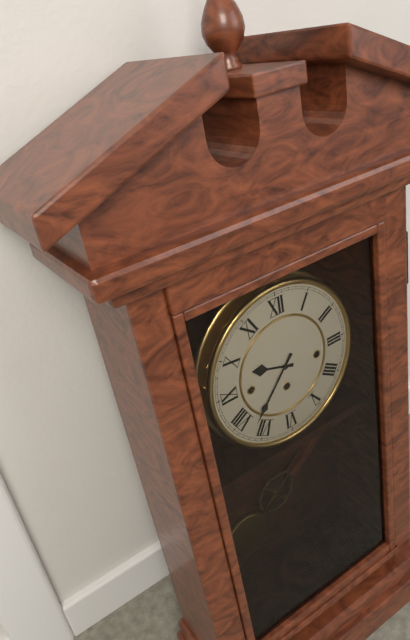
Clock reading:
**9:37**
